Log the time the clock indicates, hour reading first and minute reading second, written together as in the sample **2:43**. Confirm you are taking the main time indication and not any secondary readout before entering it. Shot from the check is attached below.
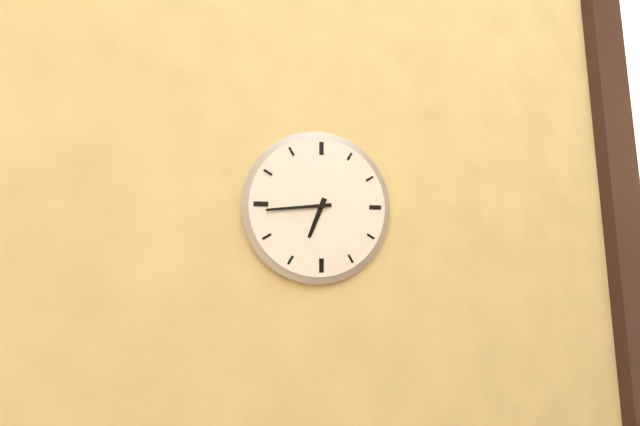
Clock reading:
**6:44**
